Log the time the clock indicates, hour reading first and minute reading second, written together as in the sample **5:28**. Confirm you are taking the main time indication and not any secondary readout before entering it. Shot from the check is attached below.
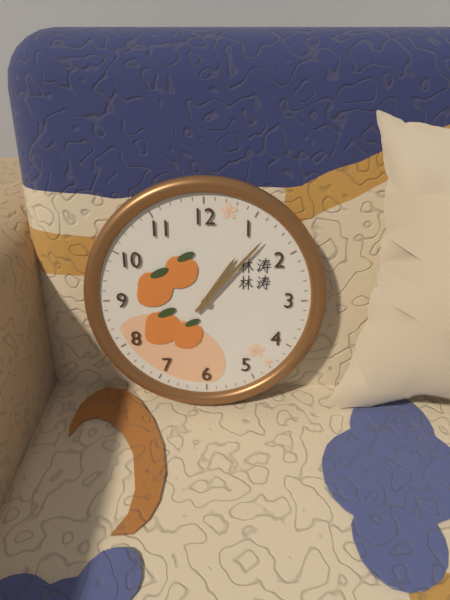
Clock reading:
**1:07**
